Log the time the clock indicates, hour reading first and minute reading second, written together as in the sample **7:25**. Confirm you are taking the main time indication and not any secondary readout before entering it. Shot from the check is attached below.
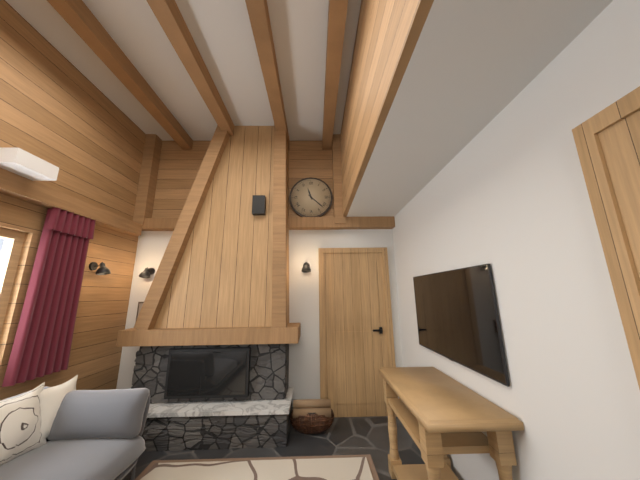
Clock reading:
**11:22**
